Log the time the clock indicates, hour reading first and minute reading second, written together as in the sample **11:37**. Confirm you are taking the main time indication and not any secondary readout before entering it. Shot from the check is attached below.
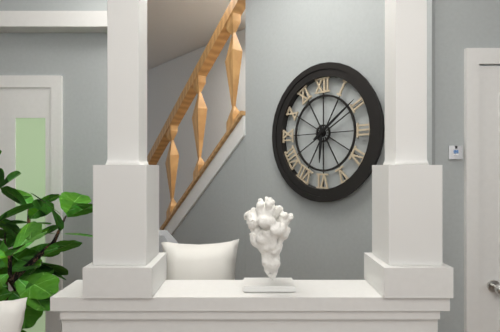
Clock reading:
**6:09**
